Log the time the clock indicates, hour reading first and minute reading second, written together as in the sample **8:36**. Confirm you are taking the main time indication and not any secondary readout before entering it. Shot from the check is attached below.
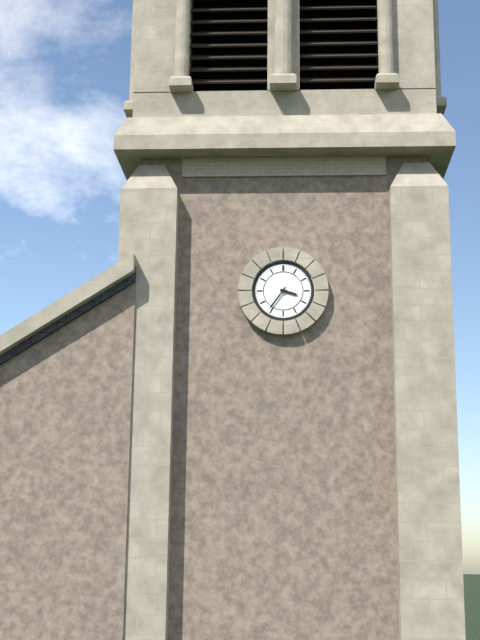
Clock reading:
**3:36**
